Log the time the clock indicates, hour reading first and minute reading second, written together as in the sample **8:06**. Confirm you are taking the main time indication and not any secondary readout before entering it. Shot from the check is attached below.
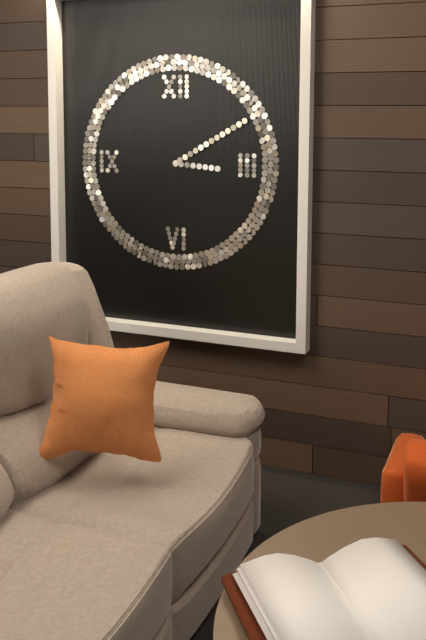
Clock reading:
**3:10**
